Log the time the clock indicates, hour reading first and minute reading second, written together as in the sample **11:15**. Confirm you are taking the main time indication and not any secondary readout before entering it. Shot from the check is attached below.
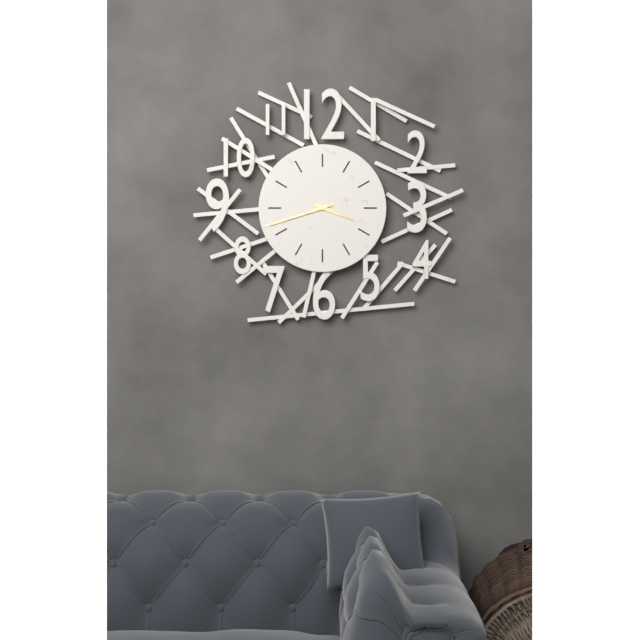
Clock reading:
**3:42**
